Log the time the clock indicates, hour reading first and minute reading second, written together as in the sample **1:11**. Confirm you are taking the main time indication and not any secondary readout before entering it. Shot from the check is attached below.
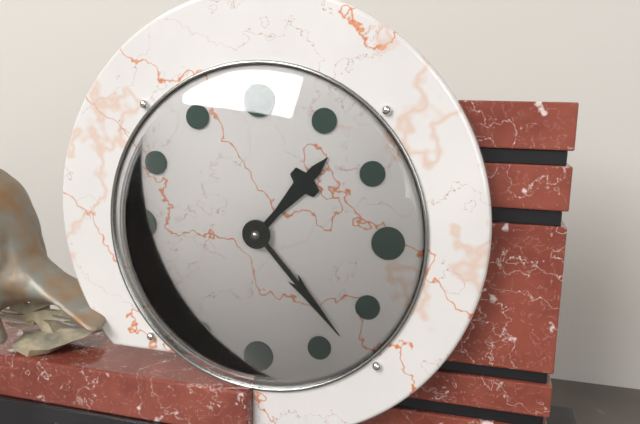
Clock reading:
**1:23**
